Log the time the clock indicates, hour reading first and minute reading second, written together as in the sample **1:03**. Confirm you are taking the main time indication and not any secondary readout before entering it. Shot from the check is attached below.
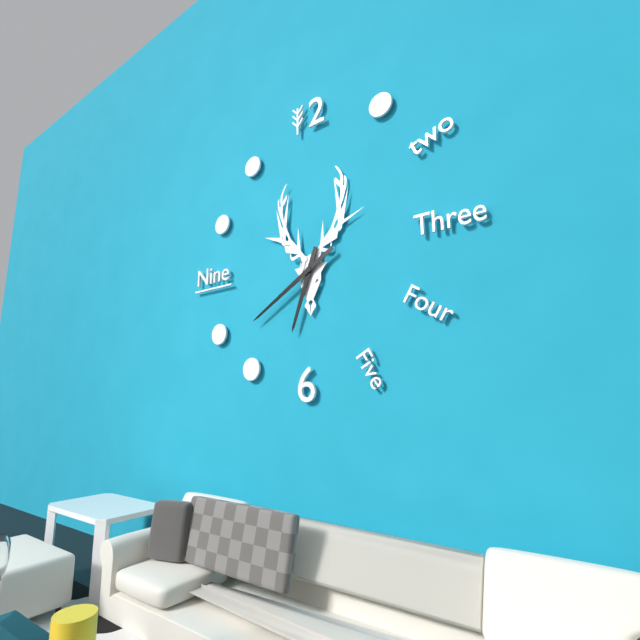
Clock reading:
**6:40**
